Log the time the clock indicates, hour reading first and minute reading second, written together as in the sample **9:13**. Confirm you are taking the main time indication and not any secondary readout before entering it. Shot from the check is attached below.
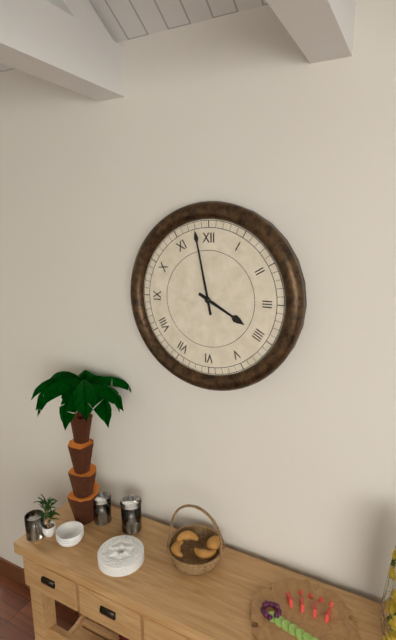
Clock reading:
**3:58**
